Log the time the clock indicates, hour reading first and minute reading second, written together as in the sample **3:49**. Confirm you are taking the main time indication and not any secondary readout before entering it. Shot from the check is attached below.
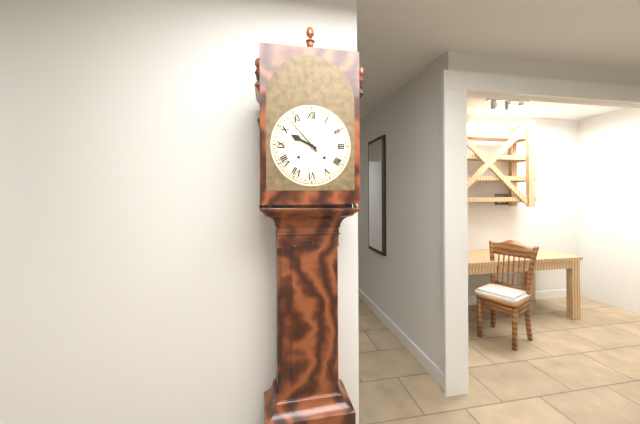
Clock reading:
**9:53**
